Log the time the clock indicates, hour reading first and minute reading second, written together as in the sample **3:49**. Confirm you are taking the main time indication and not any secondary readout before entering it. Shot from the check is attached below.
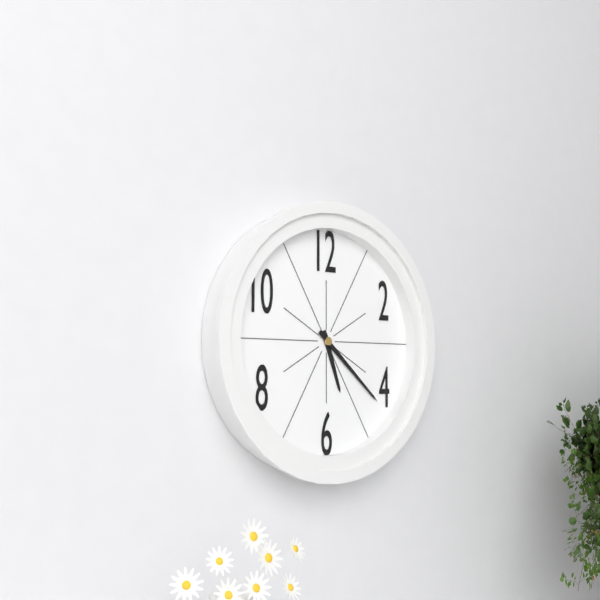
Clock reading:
**5:22**
